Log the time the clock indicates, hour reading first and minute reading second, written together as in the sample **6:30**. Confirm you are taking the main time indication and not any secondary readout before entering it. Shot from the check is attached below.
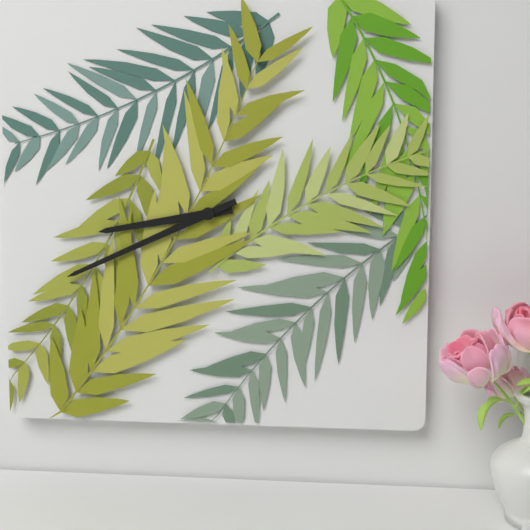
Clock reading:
**8:41**
